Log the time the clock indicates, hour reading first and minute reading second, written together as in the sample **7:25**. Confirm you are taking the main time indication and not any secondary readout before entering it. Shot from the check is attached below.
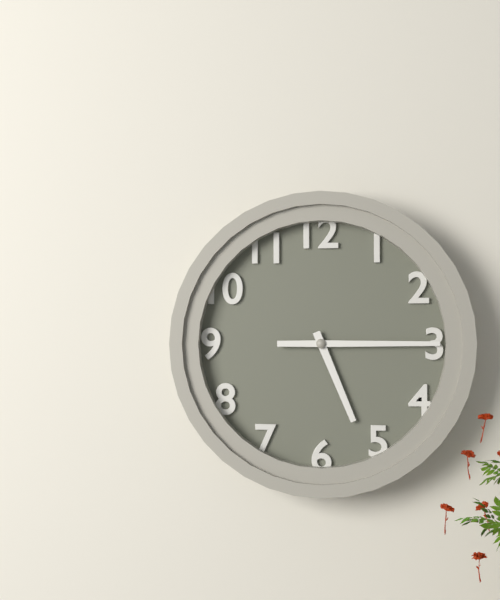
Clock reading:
**5:15**
